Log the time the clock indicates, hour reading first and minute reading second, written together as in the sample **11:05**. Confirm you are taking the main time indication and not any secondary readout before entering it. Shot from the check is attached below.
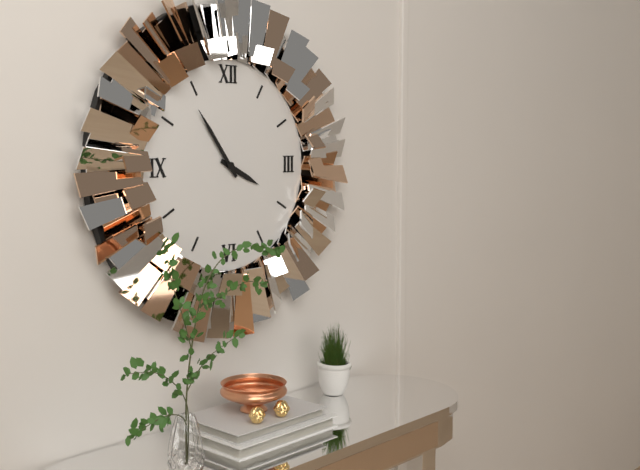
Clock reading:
**3:54**
